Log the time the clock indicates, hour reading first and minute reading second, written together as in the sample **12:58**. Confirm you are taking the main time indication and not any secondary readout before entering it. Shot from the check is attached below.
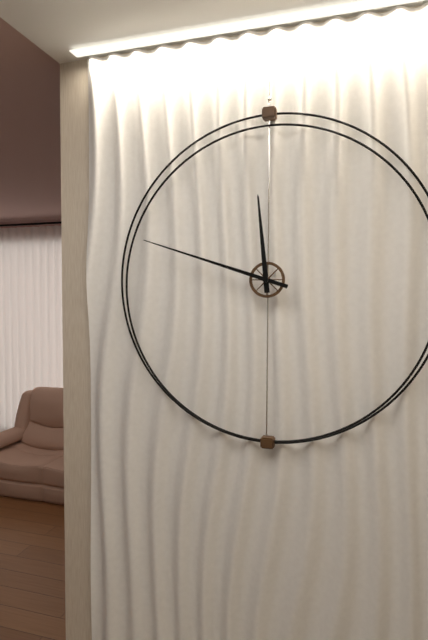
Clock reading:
**11:48**
